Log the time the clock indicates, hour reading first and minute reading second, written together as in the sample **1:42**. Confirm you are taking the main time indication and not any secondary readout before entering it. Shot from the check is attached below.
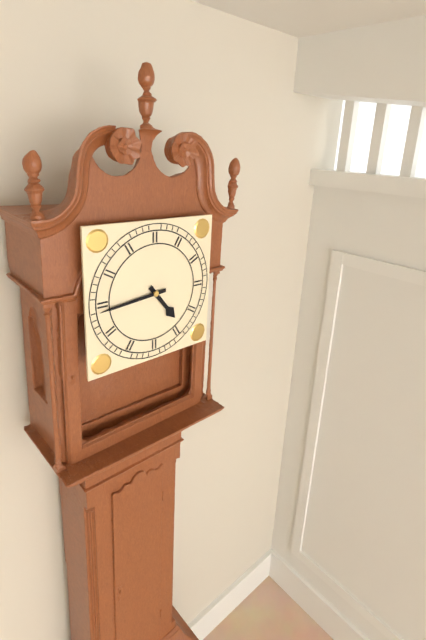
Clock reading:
**4:44**
